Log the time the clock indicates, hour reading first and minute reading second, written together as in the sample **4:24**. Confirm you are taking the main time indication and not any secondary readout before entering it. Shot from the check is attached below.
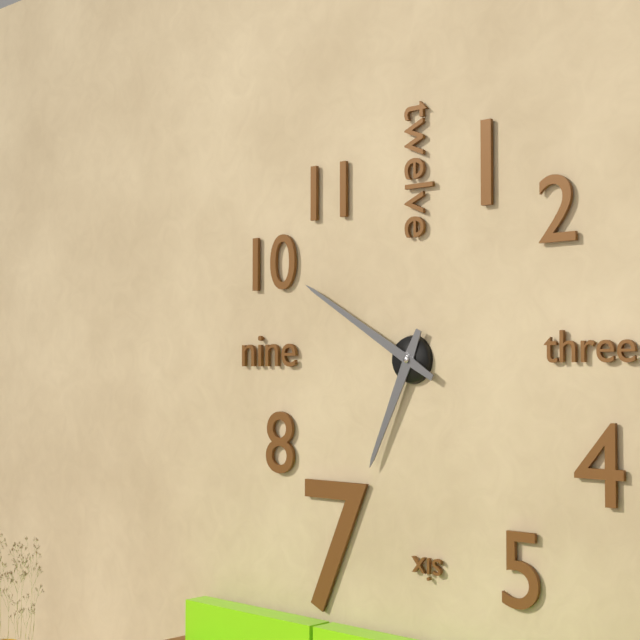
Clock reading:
**6:50**
